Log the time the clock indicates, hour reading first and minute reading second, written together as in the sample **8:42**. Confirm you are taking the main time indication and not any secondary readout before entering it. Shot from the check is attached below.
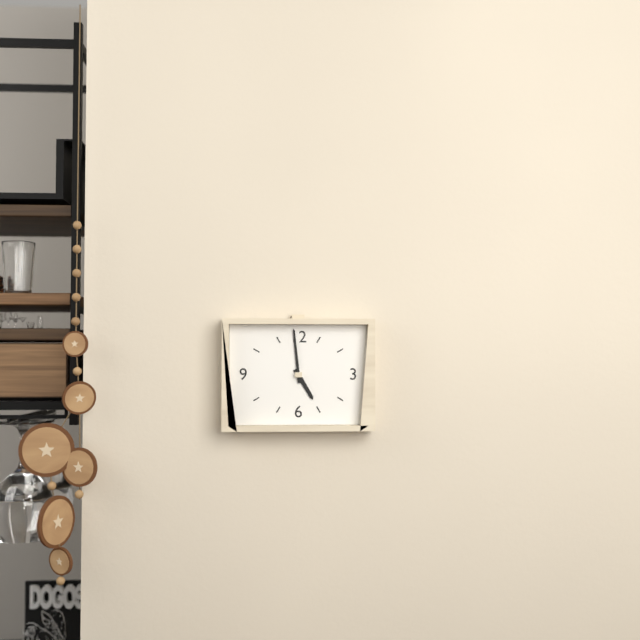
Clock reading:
**4:59**
